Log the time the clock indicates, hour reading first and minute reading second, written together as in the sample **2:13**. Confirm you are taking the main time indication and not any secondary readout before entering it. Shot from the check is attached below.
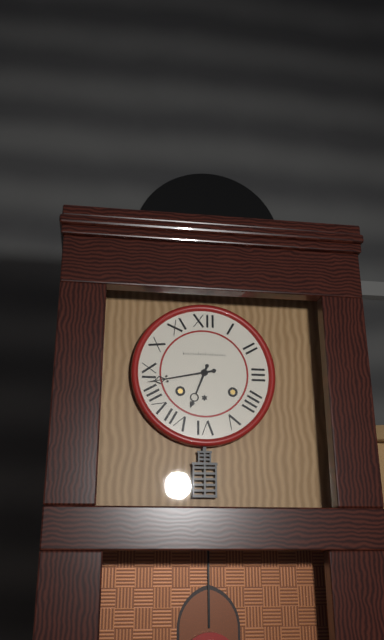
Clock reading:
**6:43**
